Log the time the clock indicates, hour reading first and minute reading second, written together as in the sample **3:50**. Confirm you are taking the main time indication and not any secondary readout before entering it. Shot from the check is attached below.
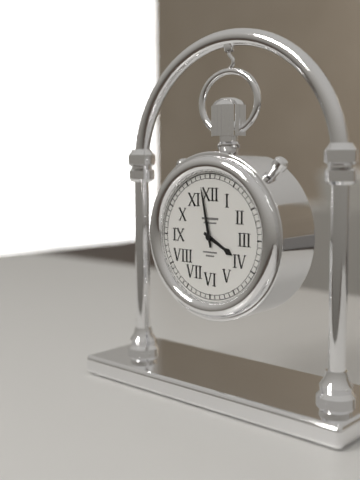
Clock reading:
**3:58**
